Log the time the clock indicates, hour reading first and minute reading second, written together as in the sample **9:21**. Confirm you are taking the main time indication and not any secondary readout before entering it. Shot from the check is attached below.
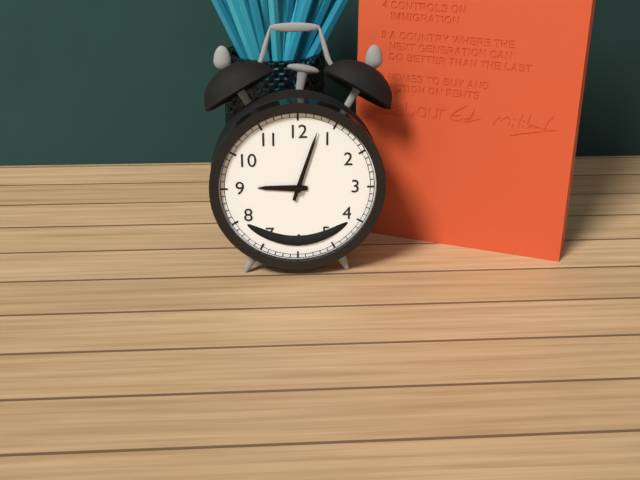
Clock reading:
**9:03**
